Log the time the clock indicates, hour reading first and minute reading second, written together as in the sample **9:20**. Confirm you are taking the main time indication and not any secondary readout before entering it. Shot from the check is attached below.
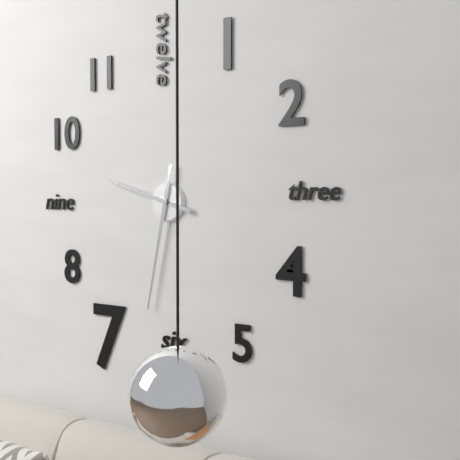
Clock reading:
**9:32**
